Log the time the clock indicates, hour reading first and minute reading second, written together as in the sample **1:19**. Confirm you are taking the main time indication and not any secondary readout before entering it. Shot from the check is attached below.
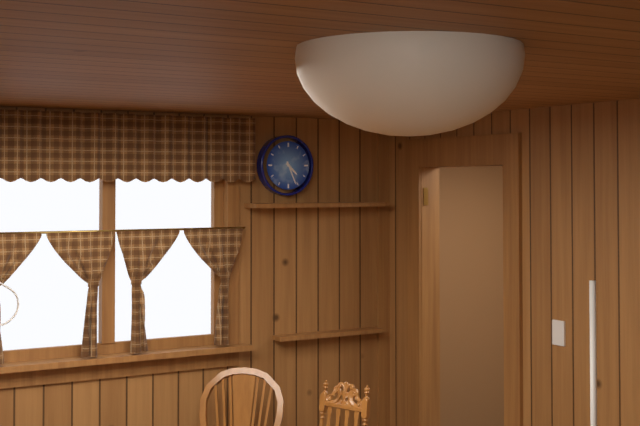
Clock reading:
**4:26**
